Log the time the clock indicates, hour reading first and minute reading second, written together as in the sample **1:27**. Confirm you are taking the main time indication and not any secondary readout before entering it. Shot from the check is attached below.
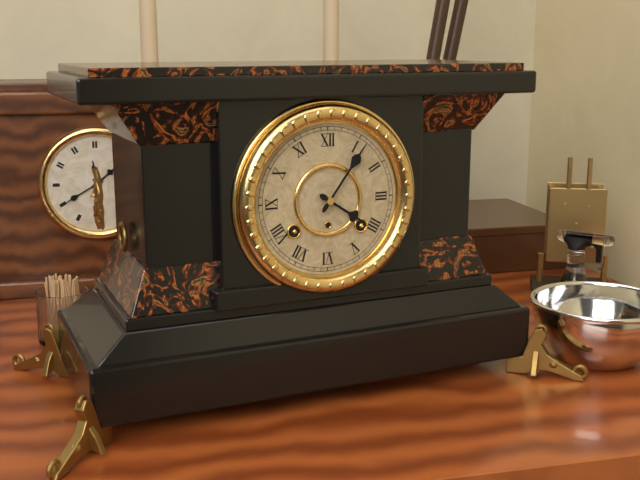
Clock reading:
**4:06**
